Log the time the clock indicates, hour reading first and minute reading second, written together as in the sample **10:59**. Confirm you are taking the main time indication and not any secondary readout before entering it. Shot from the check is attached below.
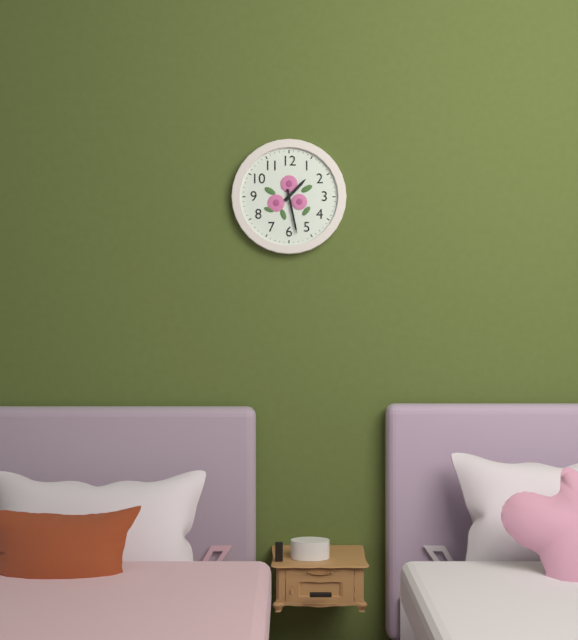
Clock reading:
**1:28**
